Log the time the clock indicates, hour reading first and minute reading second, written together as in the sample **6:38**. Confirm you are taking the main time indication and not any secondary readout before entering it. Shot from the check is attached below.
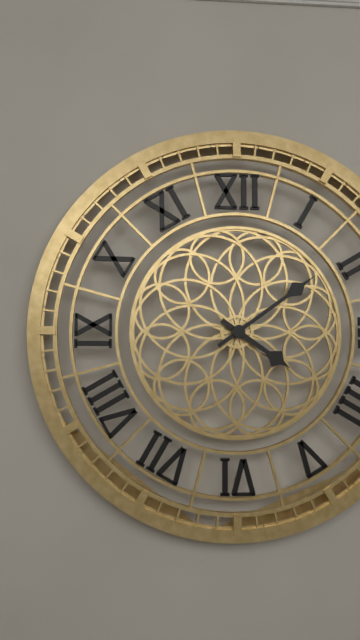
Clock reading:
**4:09**
